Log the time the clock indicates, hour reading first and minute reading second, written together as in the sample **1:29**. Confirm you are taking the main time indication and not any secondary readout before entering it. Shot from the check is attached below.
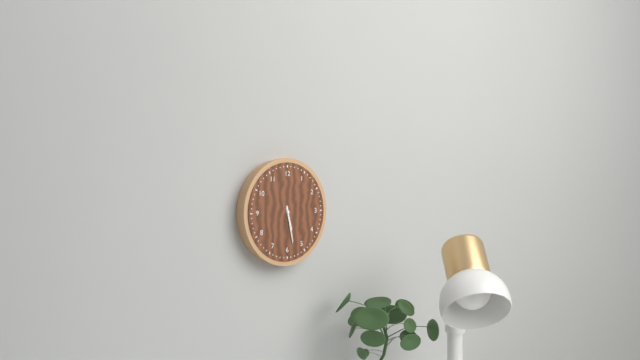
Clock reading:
**5:28**
